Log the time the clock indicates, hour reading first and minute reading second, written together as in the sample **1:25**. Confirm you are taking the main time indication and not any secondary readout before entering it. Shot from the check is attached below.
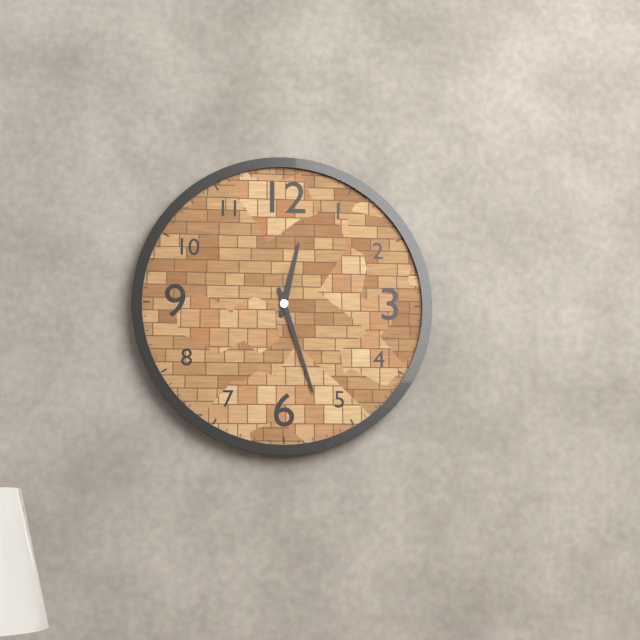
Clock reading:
**12:27**
